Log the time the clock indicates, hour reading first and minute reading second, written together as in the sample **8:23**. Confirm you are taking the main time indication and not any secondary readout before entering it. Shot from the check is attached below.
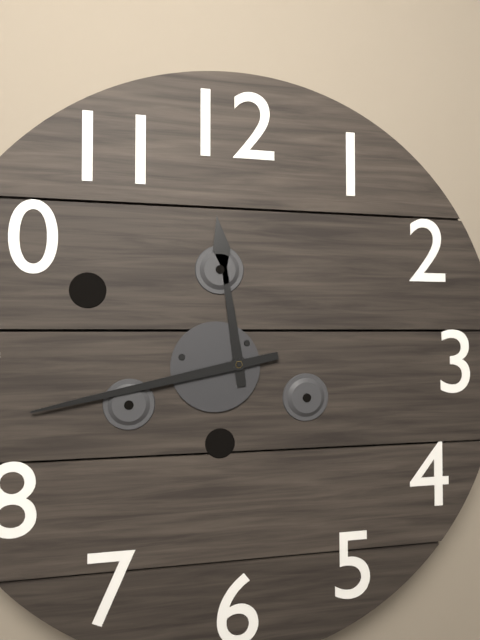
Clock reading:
**11:43**
